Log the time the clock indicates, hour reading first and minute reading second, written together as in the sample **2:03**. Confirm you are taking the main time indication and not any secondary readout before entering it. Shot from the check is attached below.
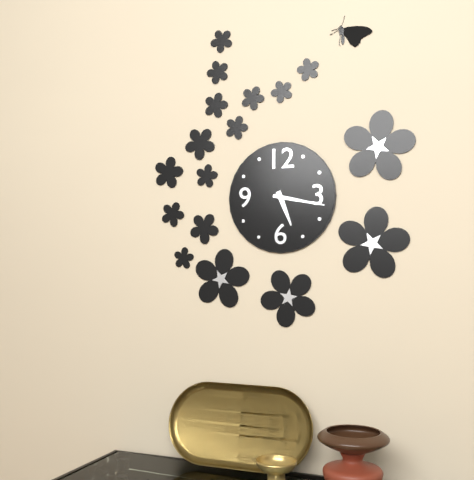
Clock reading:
**5:17**
